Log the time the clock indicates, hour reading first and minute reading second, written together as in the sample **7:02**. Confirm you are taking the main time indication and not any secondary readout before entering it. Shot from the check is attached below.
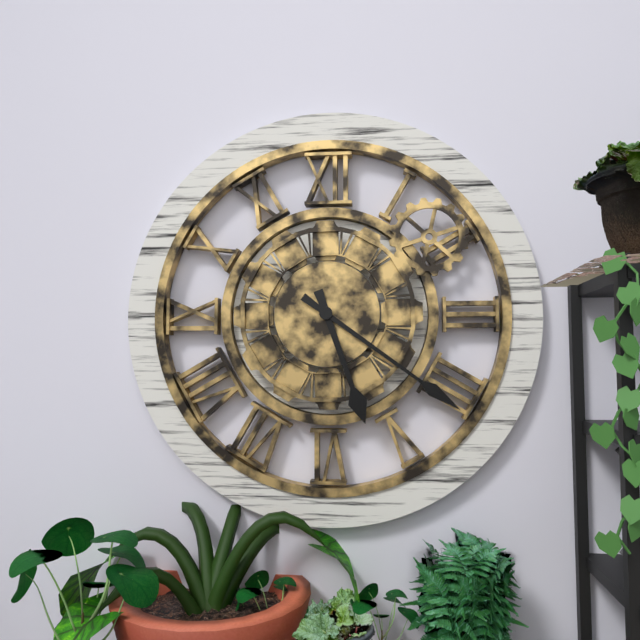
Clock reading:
**5:21**
